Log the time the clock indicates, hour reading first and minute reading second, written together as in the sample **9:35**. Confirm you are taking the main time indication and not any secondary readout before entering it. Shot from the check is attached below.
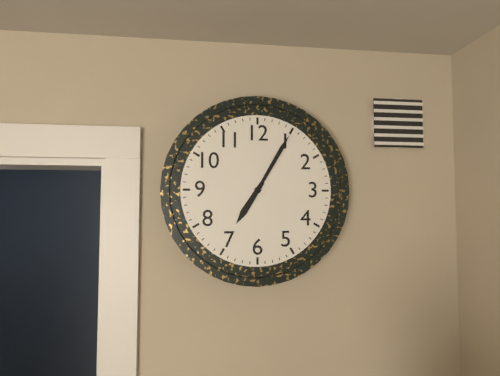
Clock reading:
**7:05**
